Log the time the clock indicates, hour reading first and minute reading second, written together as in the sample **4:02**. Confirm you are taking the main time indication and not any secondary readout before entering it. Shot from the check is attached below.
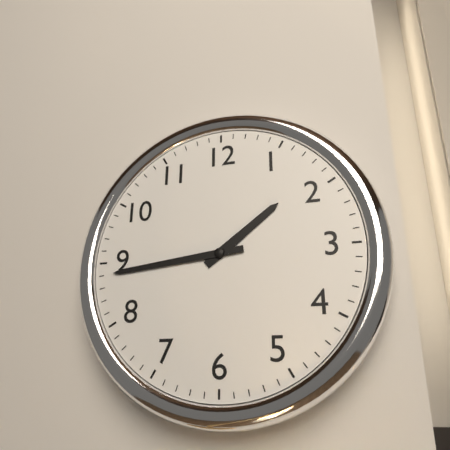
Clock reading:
**1:44**
